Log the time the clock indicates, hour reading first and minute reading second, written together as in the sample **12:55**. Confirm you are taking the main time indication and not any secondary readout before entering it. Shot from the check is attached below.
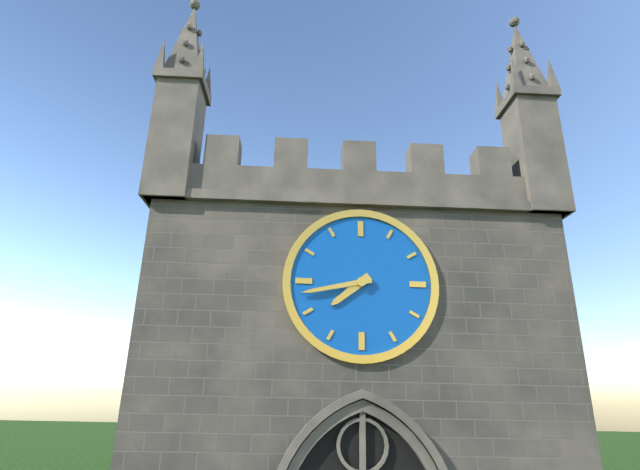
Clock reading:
**7:43**
